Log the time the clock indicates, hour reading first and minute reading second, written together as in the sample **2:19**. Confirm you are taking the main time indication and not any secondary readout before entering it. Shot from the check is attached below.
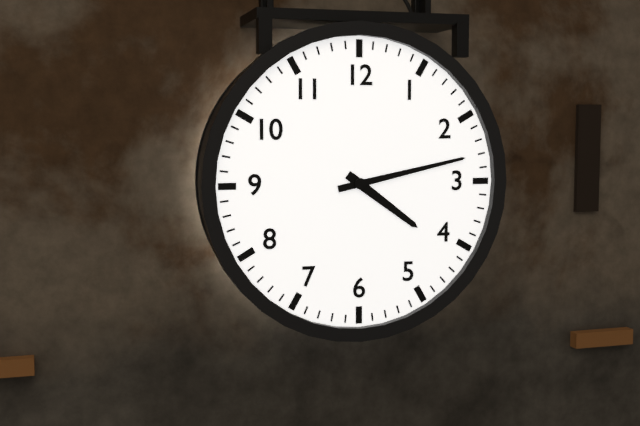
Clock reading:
**4:13**
